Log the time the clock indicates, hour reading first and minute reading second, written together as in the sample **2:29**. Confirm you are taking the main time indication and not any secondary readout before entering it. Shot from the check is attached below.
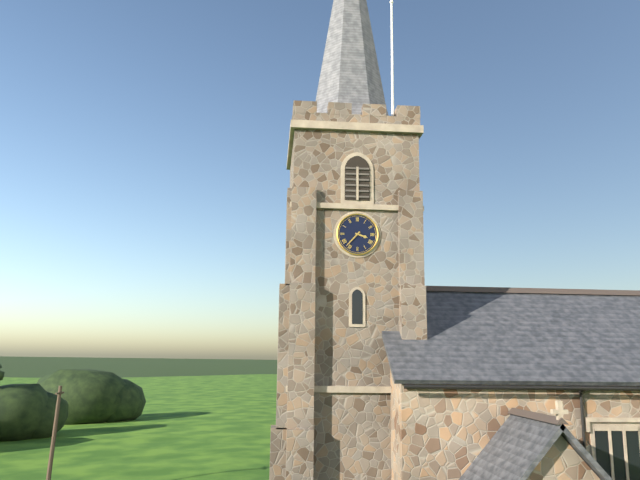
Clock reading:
**3:37**
